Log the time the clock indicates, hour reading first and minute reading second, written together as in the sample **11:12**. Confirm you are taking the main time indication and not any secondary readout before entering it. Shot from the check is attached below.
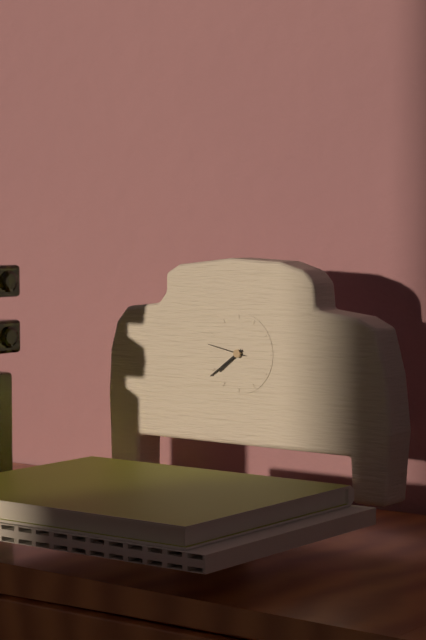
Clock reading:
**7:39**
